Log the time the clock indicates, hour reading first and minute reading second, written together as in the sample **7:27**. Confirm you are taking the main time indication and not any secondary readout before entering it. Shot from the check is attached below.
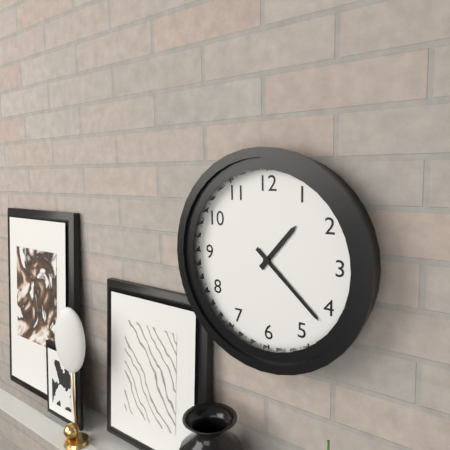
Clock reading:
**1:22**
